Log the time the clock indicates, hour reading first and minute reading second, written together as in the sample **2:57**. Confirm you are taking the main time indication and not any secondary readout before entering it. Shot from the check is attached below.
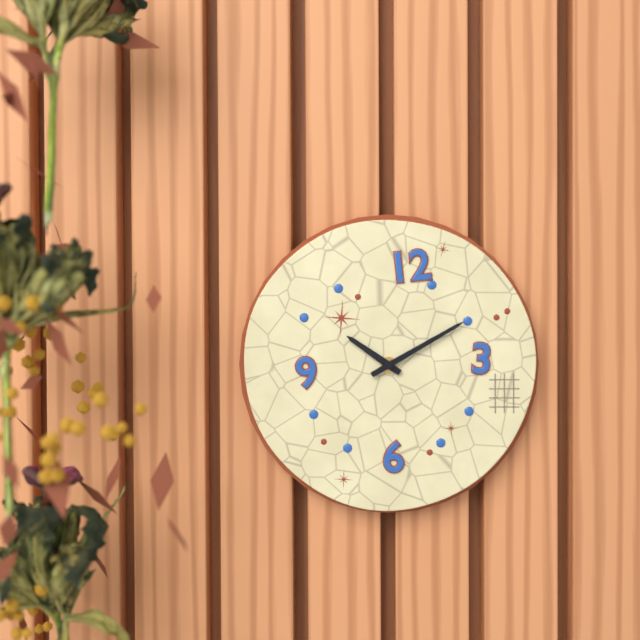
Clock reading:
**10:10**
